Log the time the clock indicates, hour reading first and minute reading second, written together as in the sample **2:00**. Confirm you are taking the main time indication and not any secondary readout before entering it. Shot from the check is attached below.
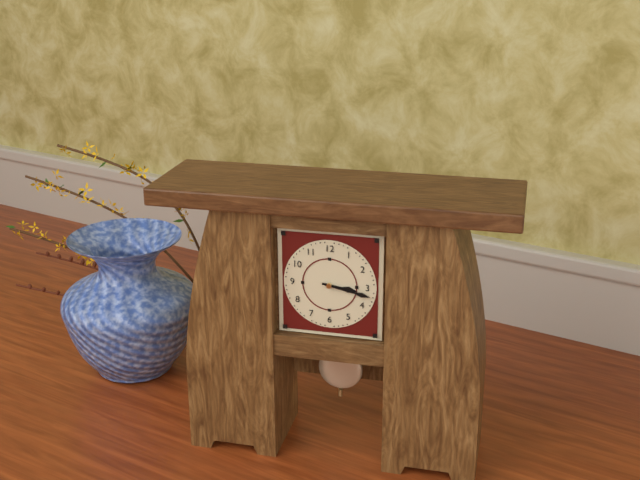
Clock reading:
**3:17**
